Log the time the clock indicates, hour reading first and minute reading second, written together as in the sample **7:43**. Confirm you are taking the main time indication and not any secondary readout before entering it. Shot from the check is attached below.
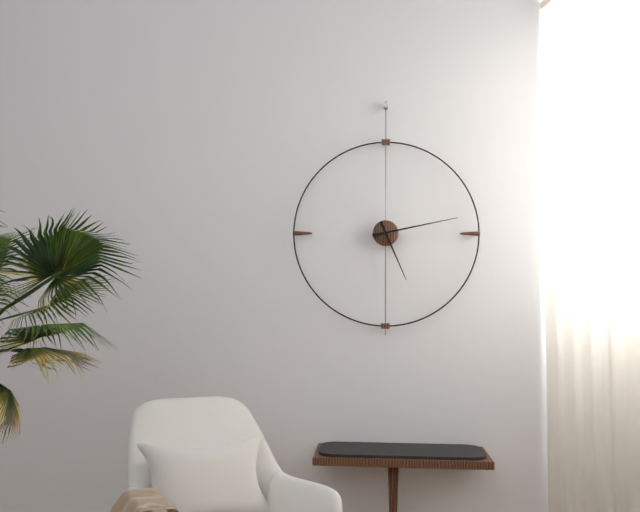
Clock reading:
**5:13**
